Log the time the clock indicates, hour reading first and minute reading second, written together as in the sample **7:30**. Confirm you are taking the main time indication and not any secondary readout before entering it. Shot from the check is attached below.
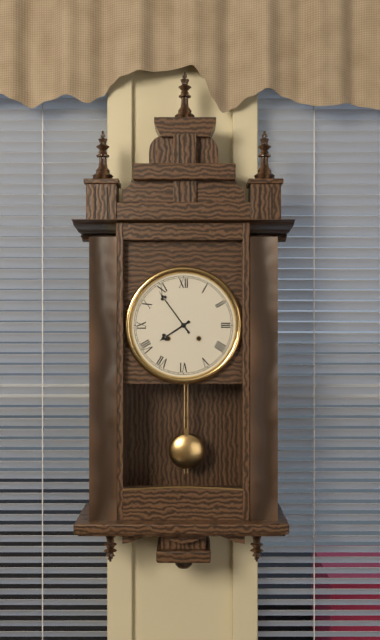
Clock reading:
**7:54**
